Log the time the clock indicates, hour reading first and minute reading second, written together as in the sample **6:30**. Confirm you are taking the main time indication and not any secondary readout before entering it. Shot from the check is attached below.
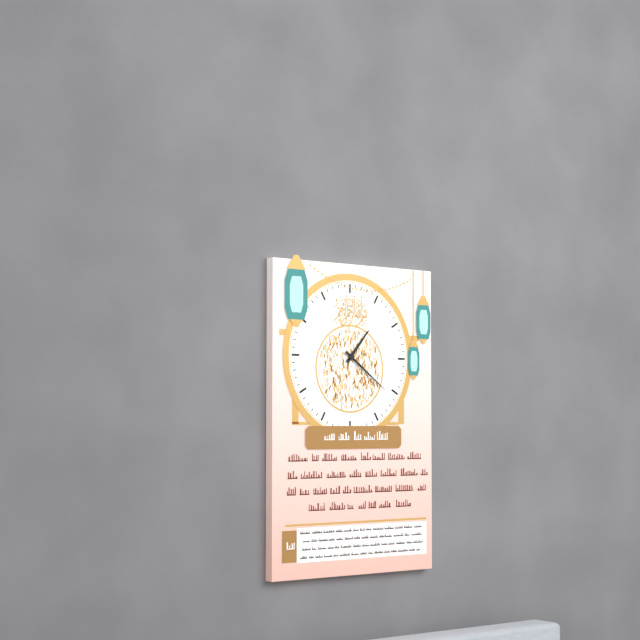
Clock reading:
**1:21**
